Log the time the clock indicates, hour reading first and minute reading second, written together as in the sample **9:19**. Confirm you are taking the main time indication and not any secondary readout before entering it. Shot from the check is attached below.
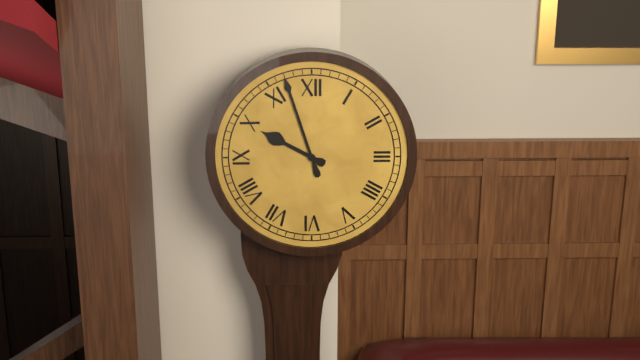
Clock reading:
**9:57**
